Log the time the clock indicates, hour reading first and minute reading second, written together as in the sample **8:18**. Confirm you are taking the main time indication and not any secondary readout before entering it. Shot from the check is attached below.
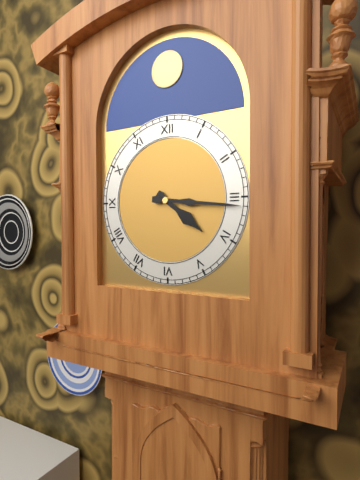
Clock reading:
**4:16**
